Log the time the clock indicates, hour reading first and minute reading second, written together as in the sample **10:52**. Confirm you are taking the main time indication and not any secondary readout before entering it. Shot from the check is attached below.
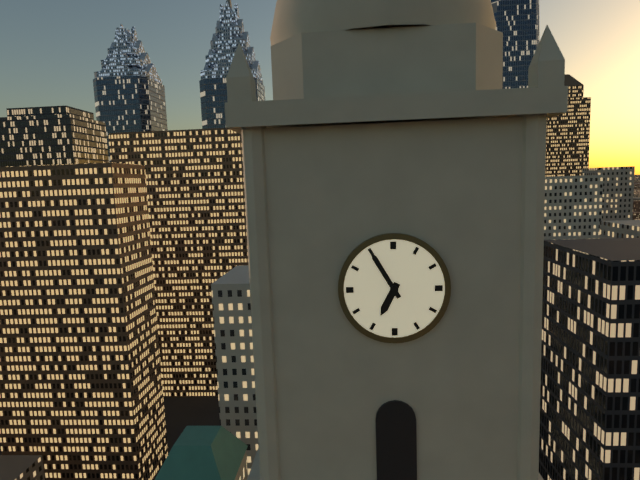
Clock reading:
**6:55**
